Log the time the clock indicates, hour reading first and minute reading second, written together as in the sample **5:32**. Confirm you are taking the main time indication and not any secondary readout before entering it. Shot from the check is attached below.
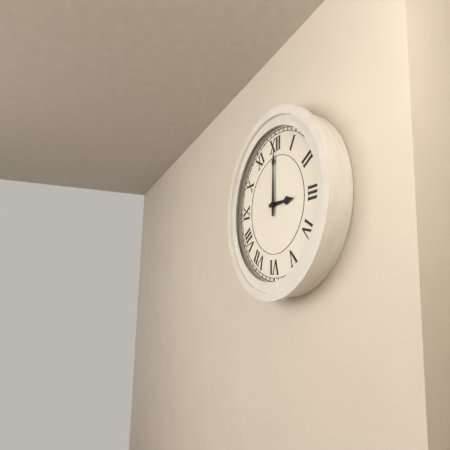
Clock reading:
**3:00**
